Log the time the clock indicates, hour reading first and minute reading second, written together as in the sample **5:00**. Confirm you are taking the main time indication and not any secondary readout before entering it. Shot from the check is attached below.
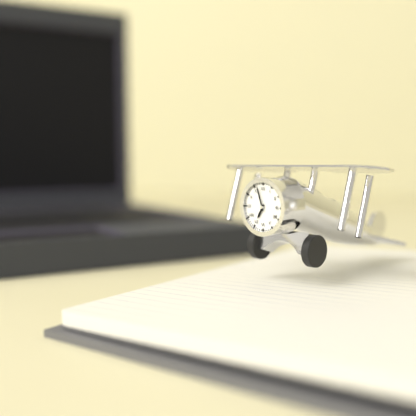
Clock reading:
**6:57**
